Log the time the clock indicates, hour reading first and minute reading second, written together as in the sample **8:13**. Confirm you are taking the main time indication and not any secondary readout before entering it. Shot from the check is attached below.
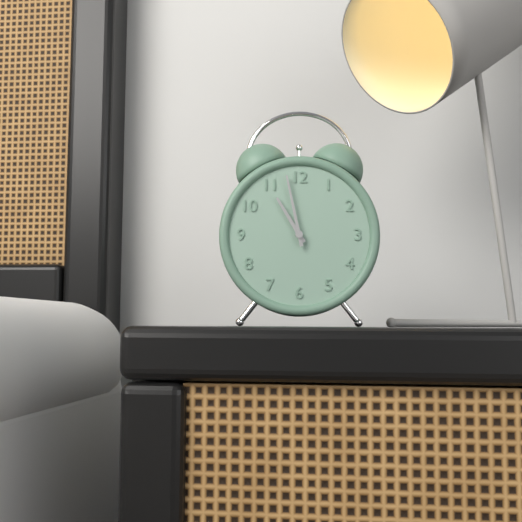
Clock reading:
**10:58**
